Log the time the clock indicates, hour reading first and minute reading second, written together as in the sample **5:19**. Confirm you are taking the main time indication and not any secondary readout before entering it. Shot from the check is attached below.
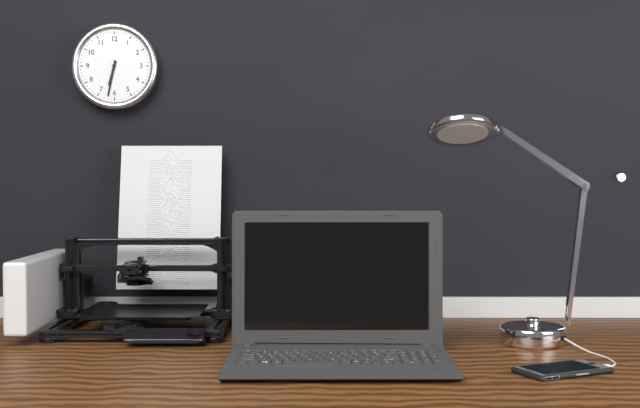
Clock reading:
**6:32**
